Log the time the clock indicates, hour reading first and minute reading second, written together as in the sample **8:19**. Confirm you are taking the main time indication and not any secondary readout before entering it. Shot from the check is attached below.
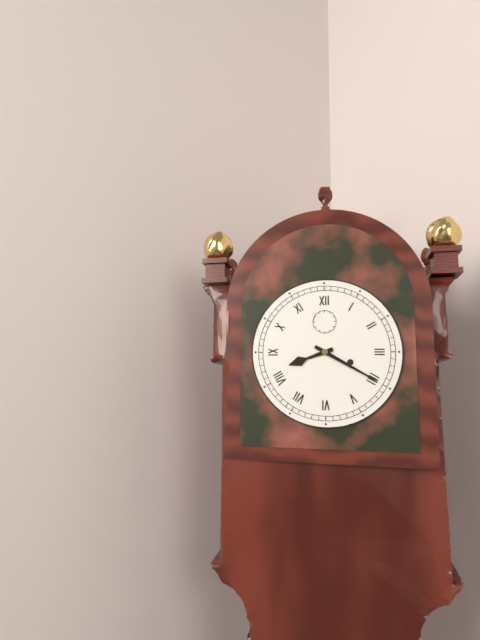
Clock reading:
**8:20**
